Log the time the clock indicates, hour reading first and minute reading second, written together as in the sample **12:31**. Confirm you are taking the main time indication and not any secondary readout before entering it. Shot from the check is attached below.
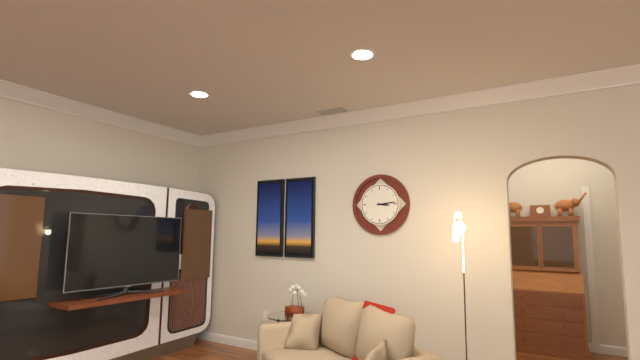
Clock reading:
**3:14**
